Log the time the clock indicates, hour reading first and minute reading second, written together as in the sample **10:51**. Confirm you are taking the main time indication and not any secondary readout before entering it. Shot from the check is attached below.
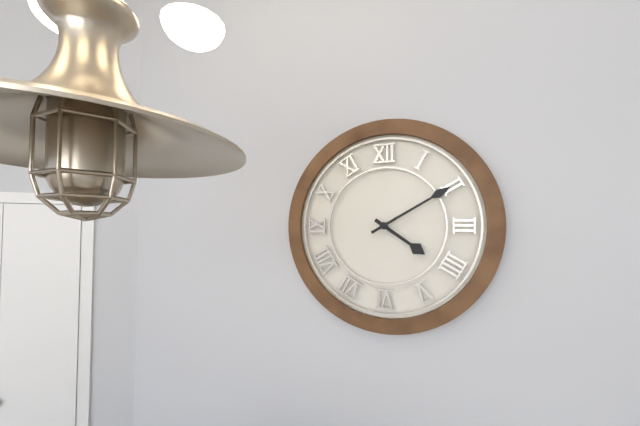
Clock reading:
**4:10**
